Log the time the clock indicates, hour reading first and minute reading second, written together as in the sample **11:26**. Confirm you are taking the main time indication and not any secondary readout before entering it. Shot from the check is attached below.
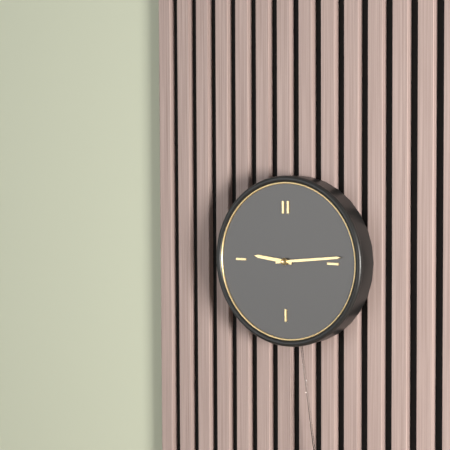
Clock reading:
**9:14**
